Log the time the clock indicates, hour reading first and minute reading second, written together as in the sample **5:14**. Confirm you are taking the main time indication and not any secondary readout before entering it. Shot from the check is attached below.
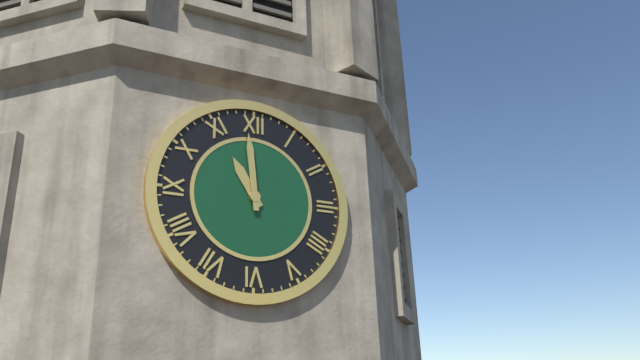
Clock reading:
**10:59**
